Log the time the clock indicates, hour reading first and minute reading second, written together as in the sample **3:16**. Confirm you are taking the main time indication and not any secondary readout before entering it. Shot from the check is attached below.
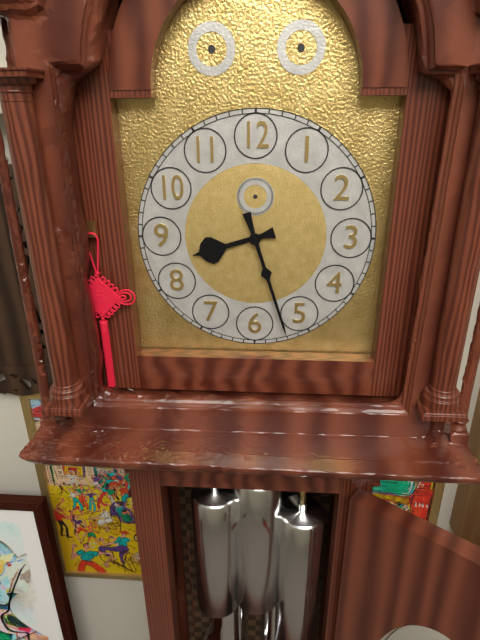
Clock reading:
**8:27**
